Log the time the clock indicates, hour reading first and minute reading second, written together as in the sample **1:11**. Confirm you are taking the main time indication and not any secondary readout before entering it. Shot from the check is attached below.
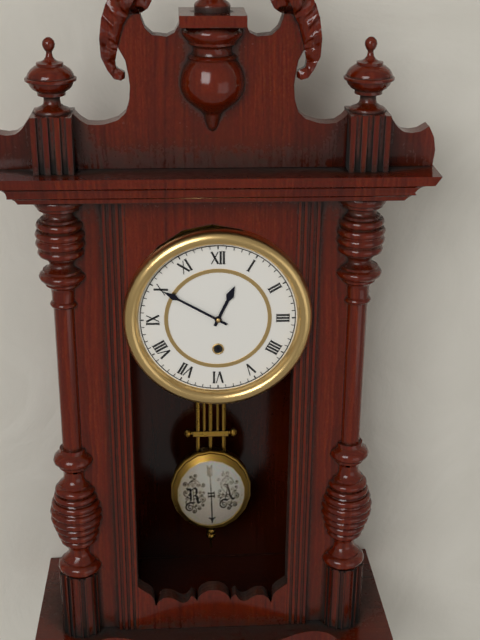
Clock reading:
**12:50**
